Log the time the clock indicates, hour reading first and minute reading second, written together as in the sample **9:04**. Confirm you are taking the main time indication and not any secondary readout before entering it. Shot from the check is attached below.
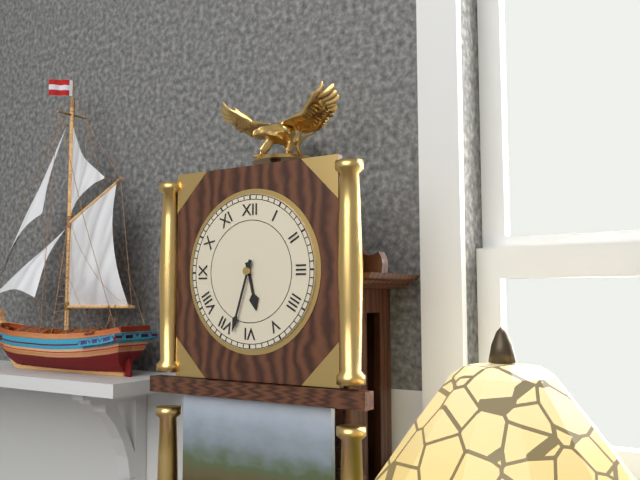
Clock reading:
**5:33**
